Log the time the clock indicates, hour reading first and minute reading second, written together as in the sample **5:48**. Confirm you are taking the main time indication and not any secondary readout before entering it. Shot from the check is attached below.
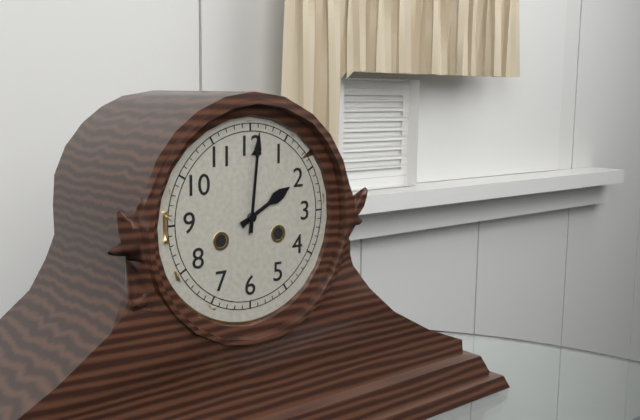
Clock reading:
**2:01**
